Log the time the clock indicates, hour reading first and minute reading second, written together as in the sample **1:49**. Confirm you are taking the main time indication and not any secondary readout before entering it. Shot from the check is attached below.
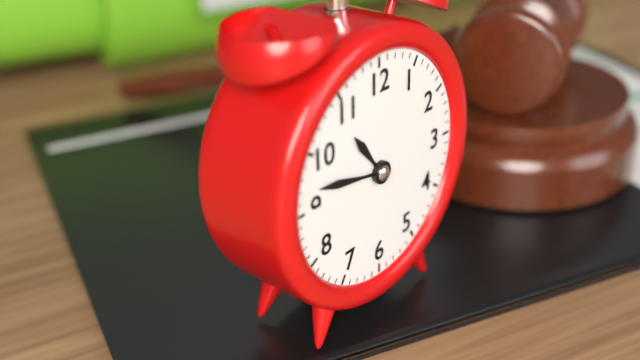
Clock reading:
**10:47**
